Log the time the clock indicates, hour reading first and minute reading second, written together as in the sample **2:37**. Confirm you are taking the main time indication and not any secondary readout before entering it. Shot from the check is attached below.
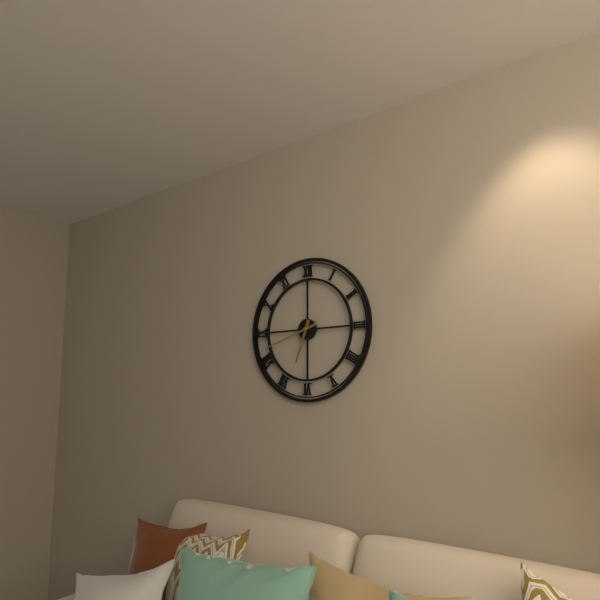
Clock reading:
**6:42**
